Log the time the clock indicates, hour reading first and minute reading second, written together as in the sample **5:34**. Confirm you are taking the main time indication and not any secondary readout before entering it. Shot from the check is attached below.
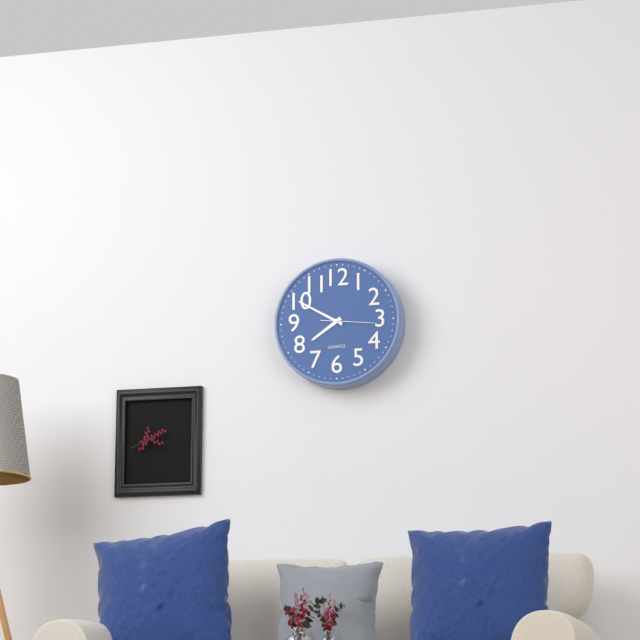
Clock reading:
**7:50**
